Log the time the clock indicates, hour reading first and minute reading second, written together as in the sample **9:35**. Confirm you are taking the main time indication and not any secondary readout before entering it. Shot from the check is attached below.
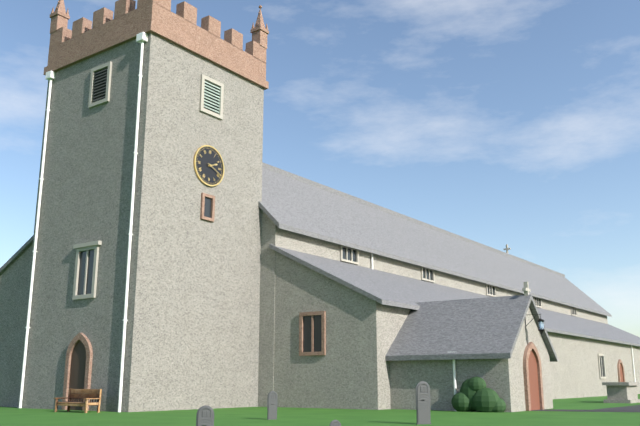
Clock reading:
**2:19**
